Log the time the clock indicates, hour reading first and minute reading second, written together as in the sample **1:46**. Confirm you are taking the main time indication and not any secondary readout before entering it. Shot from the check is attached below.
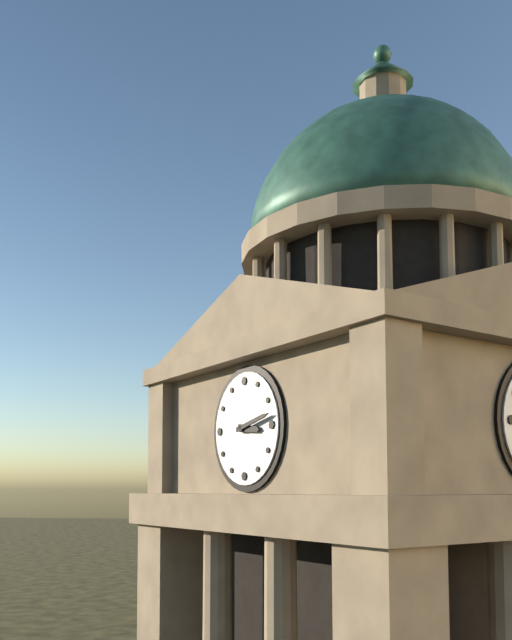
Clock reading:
**3:13**
